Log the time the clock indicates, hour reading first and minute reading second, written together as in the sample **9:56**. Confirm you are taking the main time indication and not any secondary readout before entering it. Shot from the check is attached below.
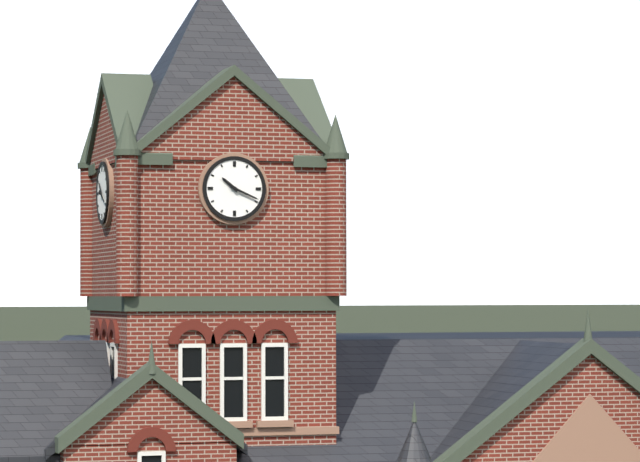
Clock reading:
**10:19**
